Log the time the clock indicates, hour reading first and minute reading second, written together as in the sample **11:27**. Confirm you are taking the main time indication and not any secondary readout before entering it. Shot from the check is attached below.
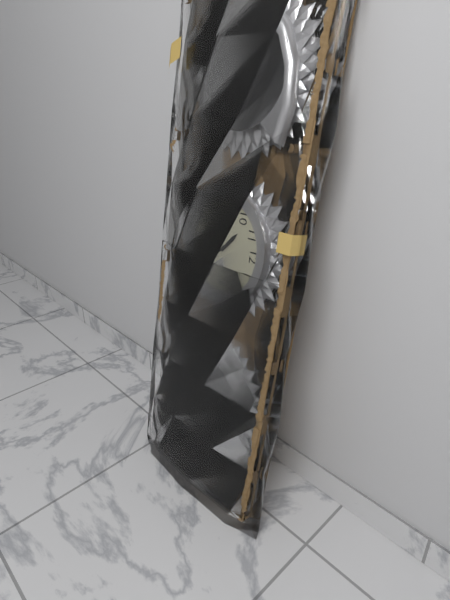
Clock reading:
**10:24**
